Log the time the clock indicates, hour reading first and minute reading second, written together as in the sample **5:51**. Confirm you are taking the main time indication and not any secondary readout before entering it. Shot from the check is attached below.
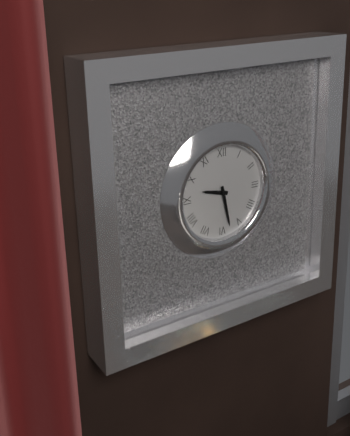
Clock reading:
**9:28**
